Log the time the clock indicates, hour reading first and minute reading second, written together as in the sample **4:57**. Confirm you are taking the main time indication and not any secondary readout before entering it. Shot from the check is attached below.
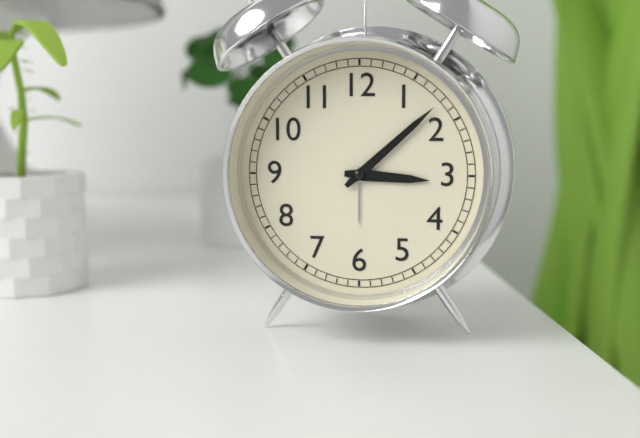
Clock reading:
**3:08**
